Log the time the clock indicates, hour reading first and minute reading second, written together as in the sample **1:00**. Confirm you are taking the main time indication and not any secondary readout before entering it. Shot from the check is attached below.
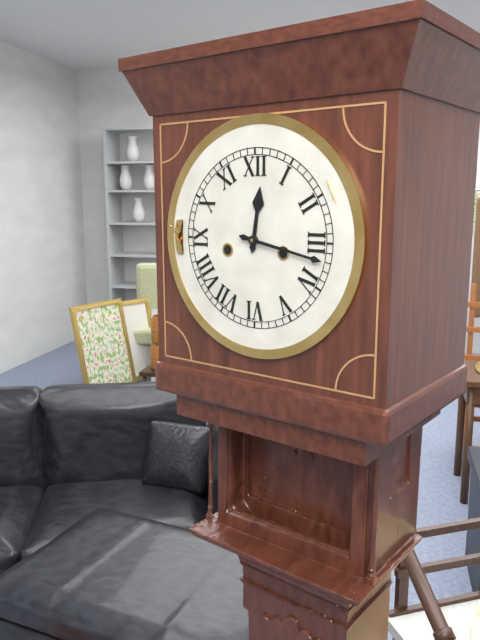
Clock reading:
**12:17**
